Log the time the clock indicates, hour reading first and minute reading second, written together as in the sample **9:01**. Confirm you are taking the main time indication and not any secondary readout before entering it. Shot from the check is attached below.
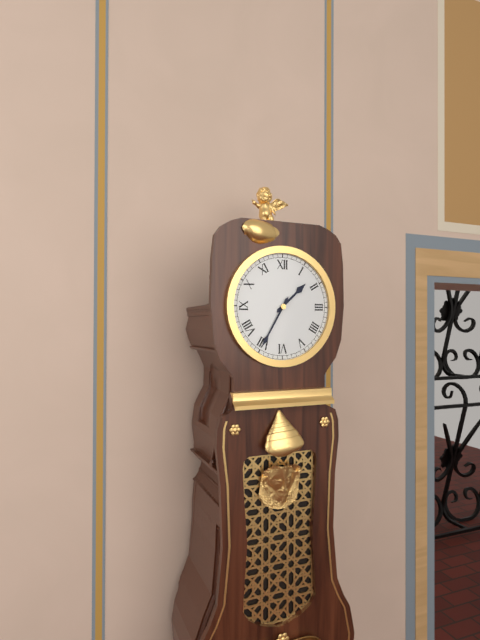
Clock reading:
**1:35**
